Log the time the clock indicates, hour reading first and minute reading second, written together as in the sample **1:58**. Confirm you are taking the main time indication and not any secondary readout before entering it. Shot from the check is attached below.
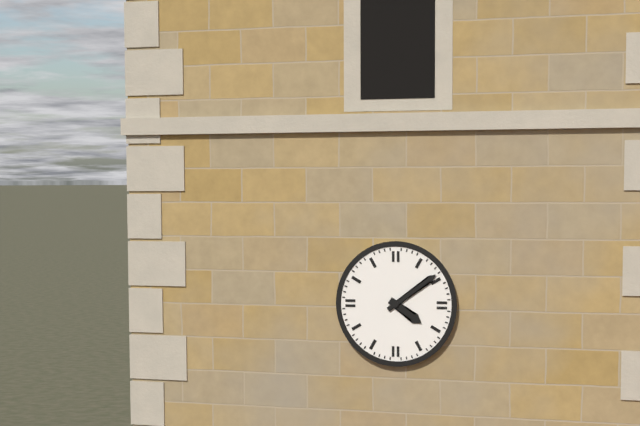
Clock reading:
**4:09**
